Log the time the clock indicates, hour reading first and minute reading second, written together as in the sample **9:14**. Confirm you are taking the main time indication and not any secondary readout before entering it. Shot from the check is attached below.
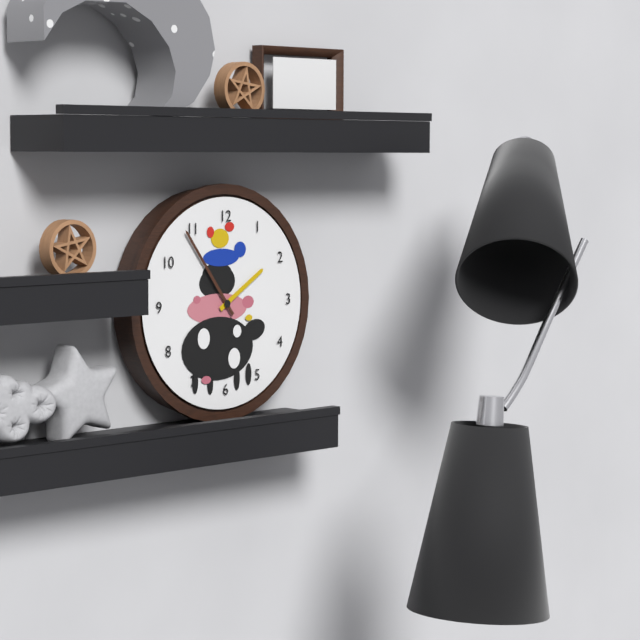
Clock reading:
**1:54**
